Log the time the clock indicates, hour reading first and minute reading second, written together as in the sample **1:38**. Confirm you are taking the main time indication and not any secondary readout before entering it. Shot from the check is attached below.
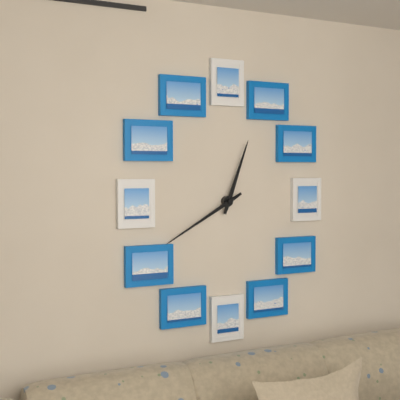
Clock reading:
**12:40**
